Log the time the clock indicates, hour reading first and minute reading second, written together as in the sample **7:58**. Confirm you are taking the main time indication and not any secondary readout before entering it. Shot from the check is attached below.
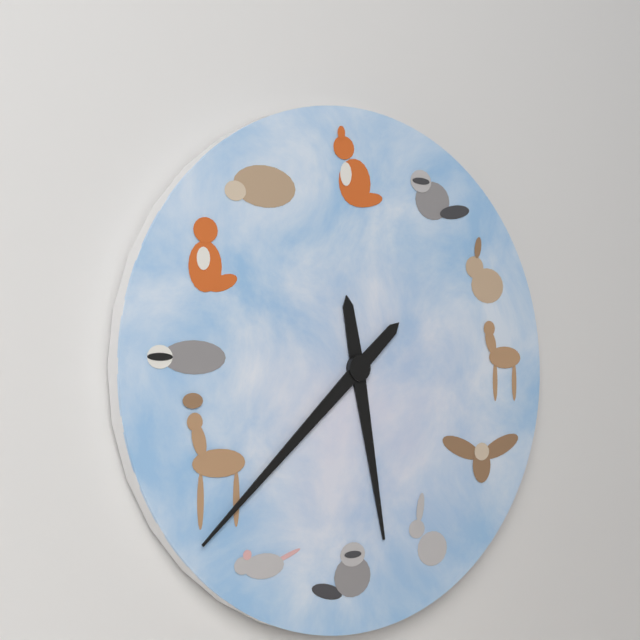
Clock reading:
**5:38**
